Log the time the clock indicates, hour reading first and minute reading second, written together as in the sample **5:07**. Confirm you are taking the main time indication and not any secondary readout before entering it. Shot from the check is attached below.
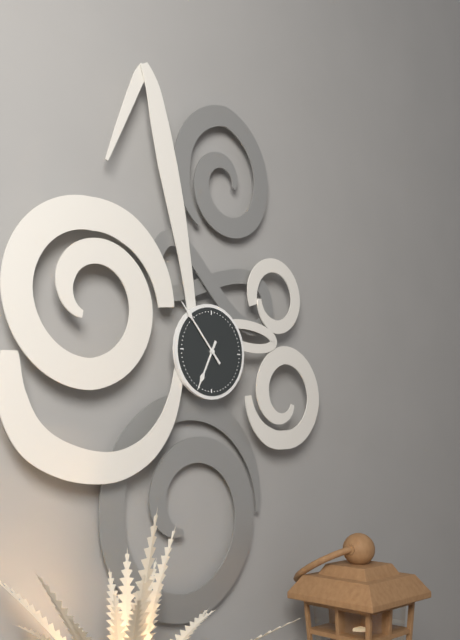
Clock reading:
**6:53**
